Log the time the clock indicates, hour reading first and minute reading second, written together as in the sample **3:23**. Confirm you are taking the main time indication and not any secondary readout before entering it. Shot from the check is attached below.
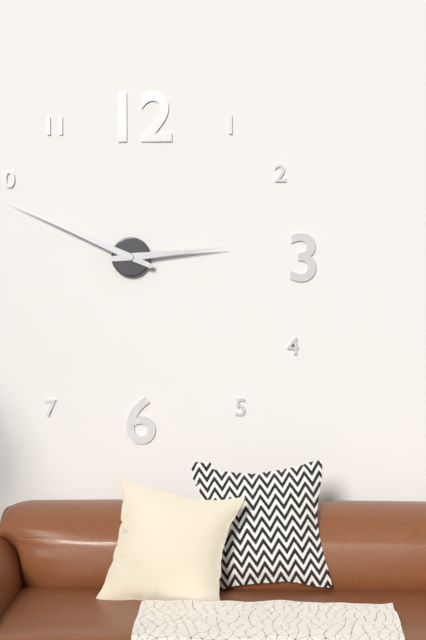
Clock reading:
**2:49**
